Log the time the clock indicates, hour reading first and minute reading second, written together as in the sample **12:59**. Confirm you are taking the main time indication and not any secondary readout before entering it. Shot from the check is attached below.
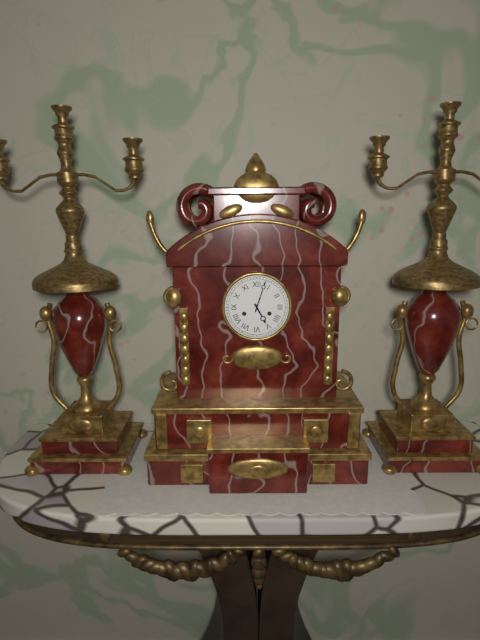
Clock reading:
**5:03**
